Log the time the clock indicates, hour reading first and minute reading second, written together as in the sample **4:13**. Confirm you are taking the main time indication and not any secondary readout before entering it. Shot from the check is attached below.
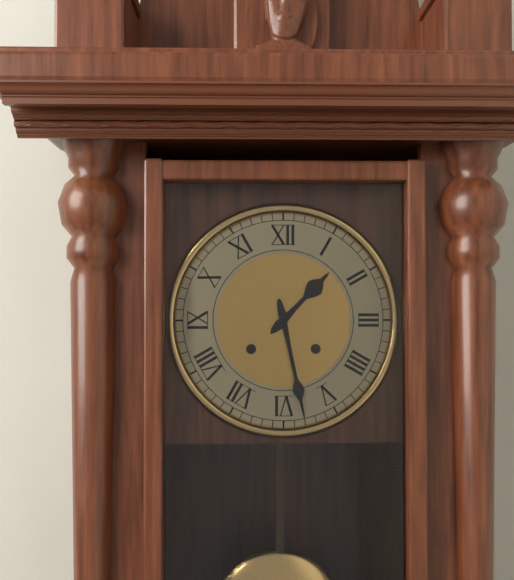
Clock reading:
**1:28**
